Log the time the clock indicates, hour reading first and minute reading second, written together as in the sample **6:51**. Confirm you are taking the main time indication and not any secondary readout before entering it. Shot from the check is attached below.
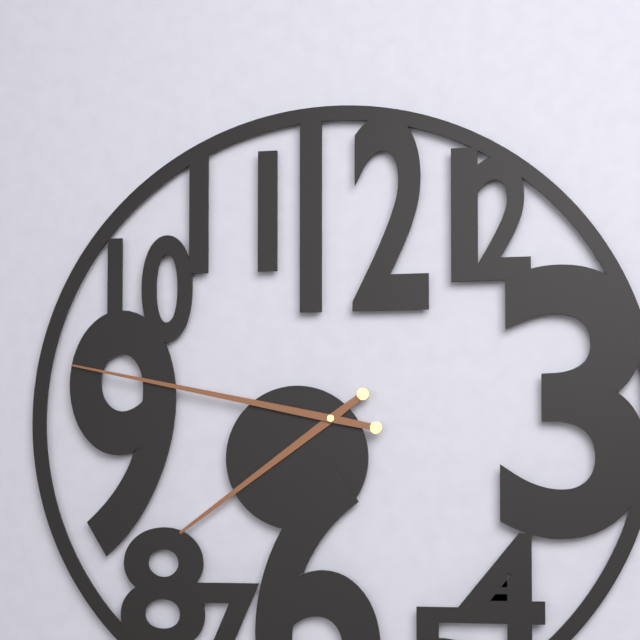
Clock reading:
**7:47**
